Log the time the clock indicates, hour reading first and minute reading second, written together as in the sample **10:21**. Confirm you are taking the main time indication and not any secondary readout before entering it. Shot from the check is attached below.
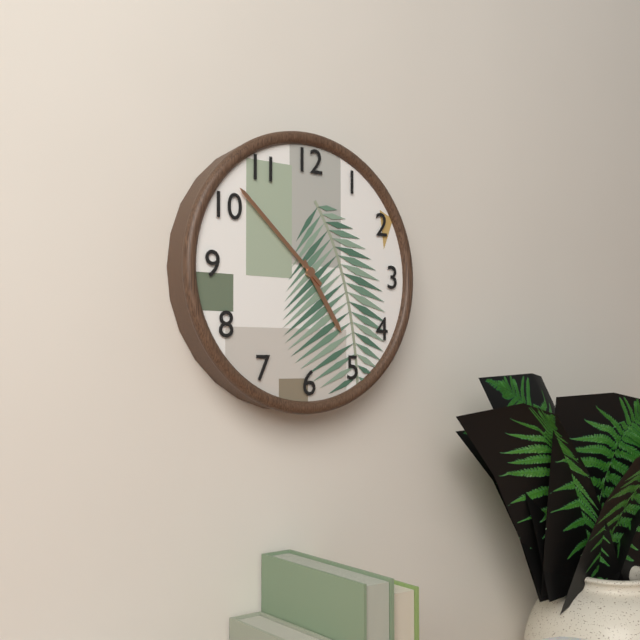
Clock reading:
**4:52**
